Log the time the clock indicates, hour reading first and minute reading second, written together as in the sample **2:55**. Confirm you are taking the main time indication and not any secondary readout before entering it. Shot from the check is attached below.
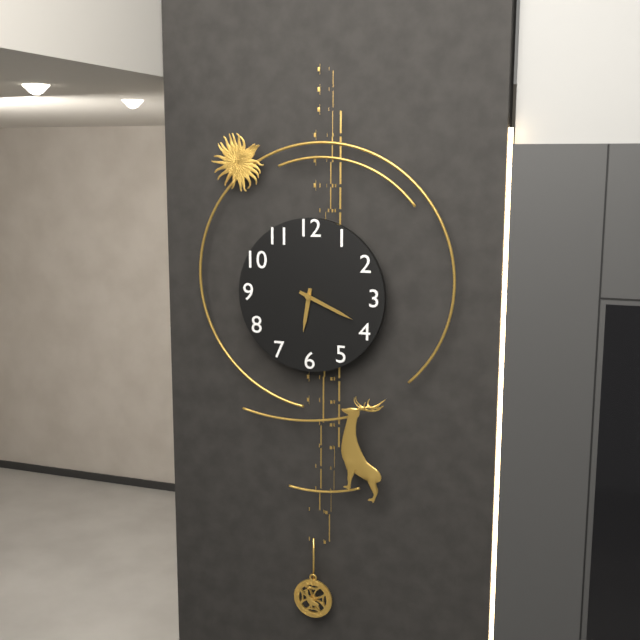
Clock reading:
**6:19**
